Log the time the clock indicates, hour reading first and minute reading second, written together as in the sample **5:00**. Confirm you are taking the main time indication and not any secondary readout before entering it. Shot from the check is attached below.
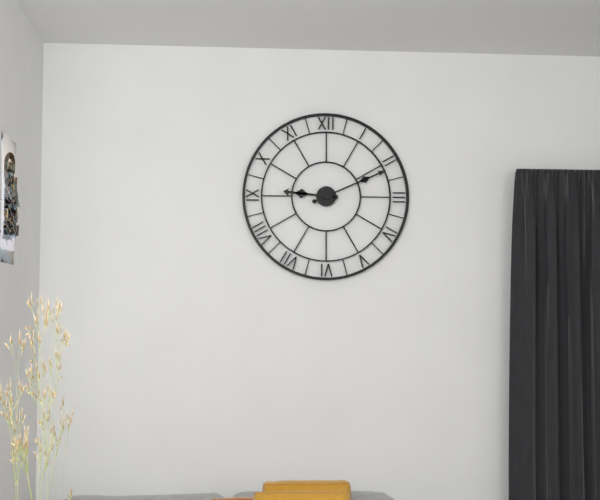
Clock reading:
**9:11**
